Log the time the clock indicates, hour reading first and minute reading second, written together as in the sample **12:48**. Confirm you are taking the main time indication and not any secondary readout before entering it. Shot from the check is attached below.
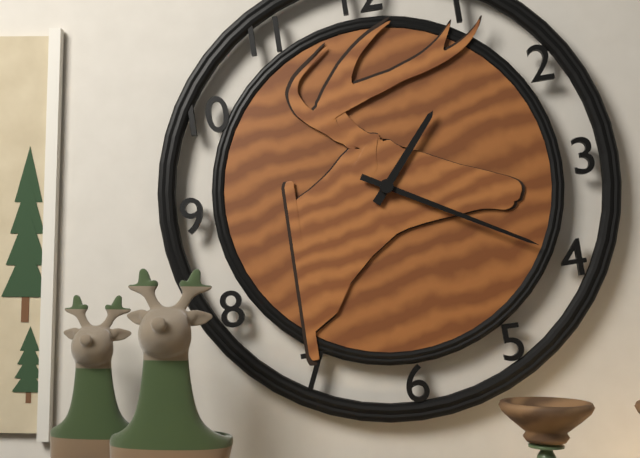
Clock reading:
**1:20**
